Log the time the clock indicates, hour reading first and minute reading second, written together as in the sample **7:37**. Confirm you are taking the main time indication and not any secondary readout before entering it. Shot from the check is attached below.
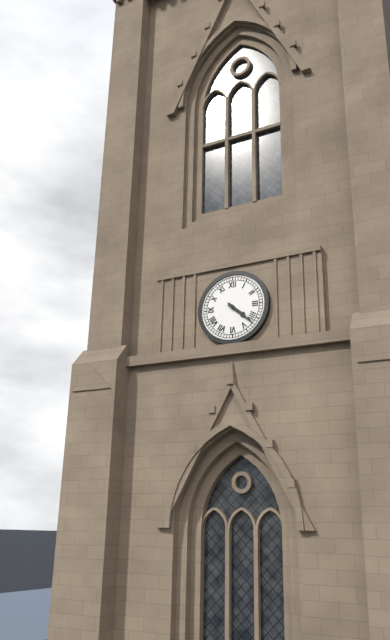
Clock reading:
**4:22**
